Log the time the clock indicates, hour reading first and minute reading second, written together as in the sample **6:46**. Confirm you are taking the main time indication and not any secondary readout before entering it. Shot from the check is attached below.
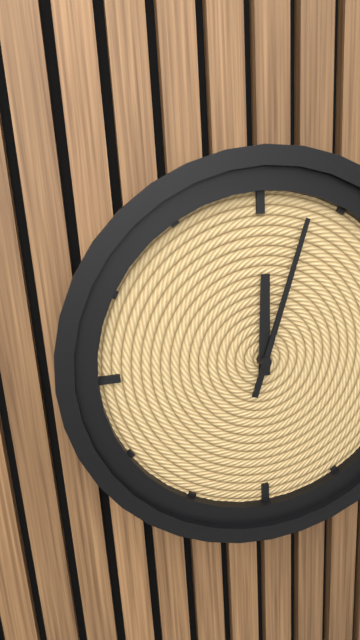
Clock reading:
**12:03**
